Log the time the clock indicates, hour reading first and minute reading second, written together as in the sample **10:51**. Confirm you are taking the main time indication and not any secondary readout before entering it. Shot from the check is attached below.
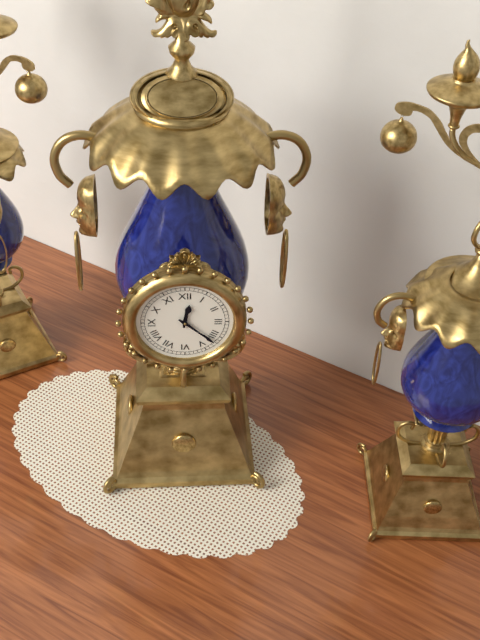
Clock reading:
**12:22**
